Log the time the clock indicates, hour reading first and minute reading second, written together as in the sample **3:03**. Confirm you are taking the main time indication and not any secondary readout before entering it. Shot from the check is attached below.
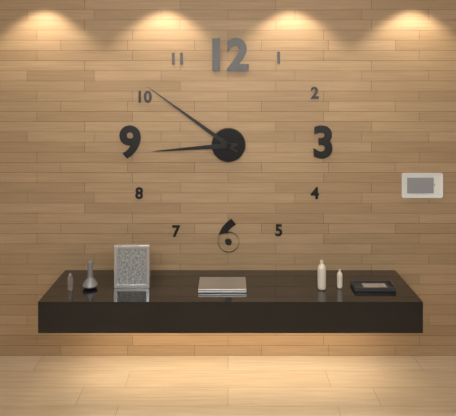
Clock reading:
**8:51**
